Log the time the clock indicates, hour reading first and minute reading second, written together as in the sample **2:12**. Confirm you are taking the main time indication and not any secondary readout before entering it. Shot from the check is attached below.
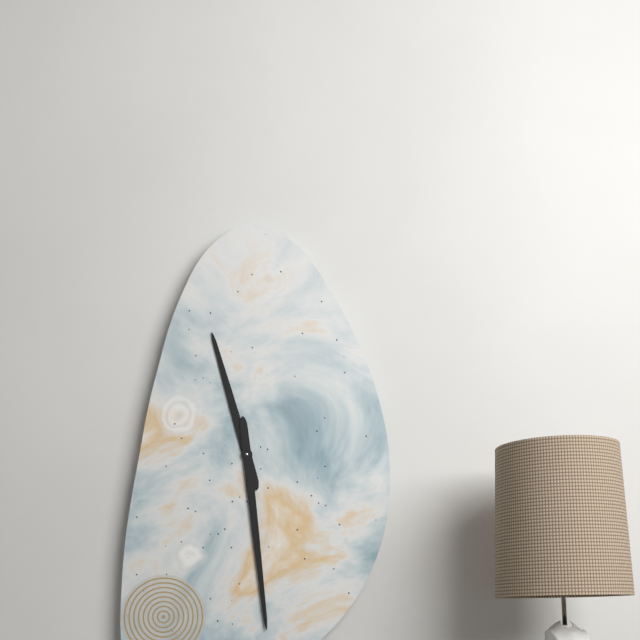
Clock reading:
**11:29**
